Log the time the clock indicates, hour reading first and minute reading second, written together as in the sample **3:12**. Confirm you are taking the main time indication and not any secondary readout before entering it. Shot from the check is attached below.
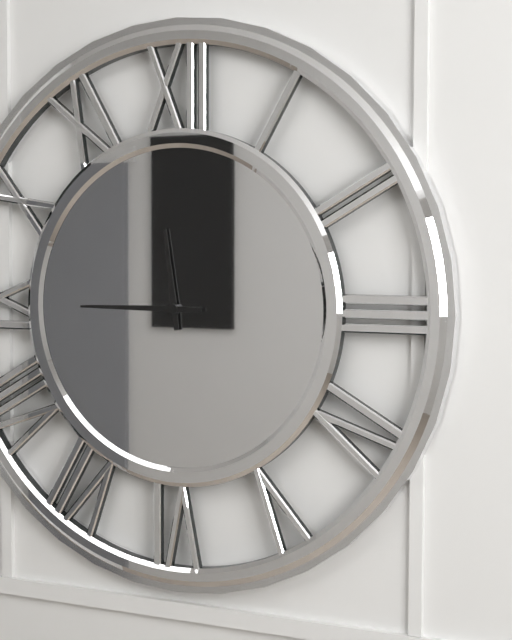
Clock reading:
**11:45**
